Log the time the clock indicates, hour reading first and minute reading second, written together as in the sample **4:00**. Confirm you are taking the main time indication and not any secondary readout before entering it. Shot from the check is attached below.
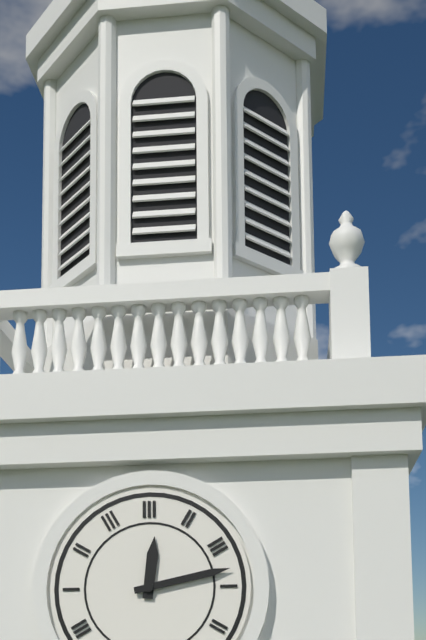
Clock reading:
**12:13**
